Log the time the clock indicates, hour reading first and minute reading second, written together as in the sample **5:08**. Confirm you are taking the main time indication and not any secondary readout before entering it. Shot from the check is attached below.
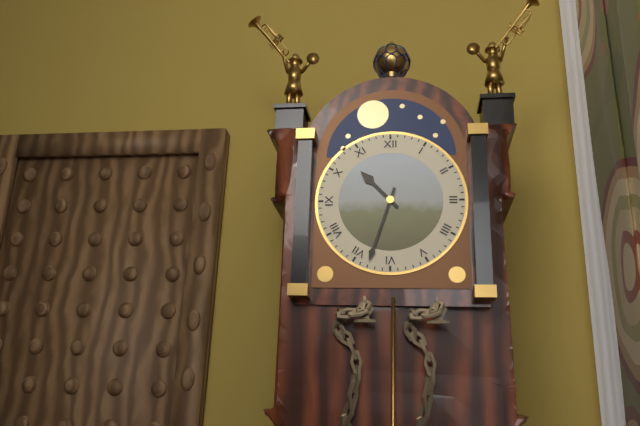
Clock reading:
**10:33**
